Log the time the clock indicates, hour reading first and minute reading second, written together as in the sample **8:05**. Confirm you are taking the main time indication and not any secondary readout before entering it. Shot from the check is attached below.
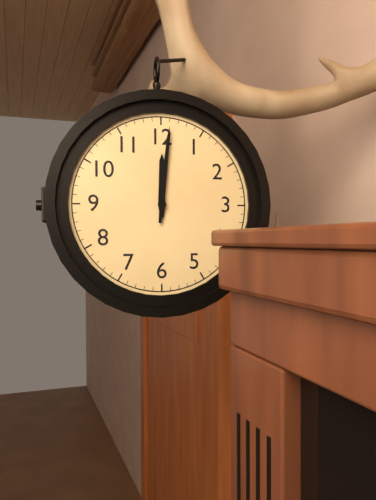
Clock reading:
**12:01**
